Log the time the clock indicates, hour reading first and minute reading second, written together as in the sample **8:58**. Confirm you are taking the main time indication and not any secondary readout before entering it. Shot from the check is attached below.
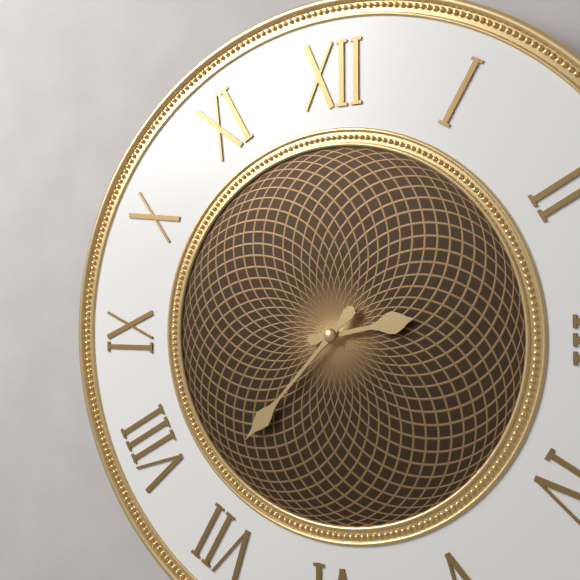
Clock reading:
**2:37**
